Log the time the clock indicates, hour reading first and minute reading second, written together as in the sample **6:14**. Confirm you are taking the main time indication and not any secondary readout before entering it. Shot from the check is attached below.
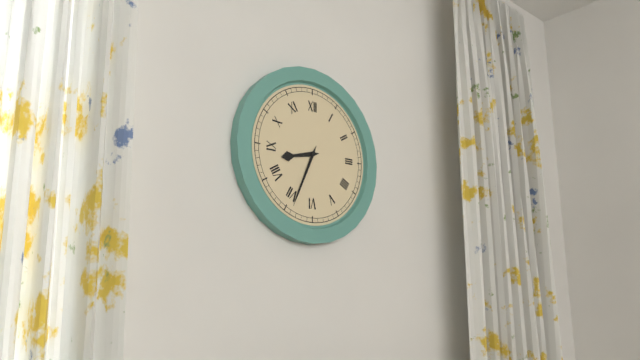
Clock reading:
**8:34**
